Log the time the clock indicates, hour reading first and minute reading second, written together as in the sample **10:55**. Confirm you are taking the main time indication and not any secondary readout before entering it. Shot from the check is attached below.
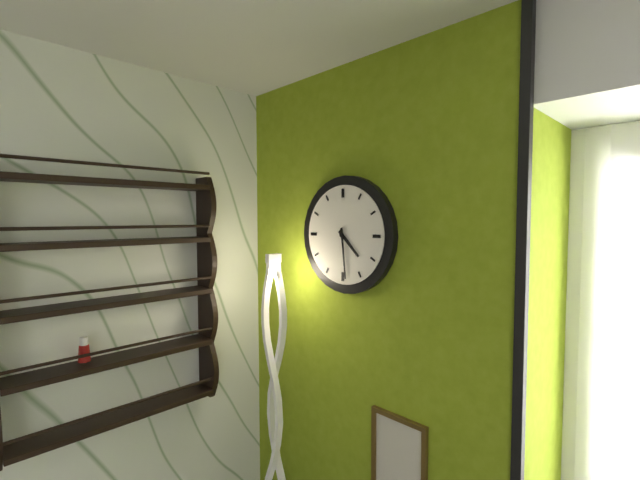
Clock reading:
**4:29**
